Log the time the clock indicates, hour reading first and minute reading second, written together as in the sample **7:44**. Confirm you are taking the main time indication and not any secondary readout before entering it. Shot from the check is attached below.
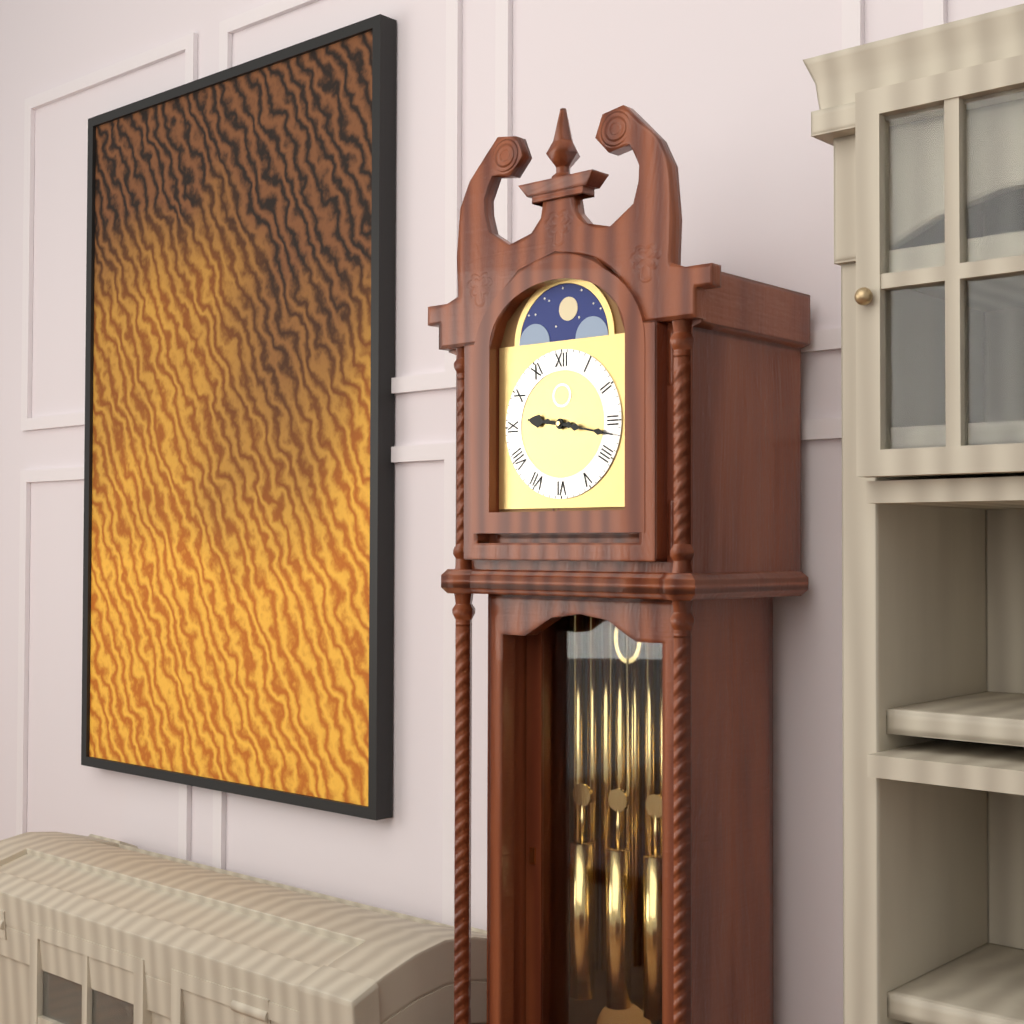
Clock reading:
**9:17**
